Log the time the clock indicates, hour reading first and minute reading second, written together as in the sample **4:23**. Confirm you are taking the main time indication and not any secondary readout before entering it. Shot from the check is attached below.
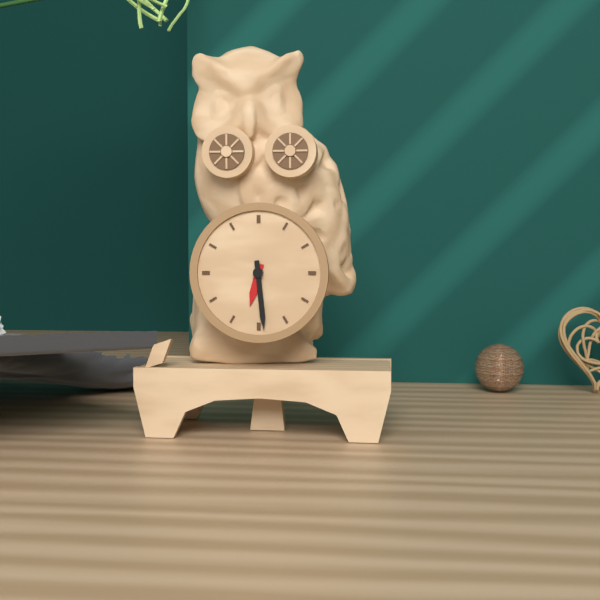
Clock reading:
**6:29**
